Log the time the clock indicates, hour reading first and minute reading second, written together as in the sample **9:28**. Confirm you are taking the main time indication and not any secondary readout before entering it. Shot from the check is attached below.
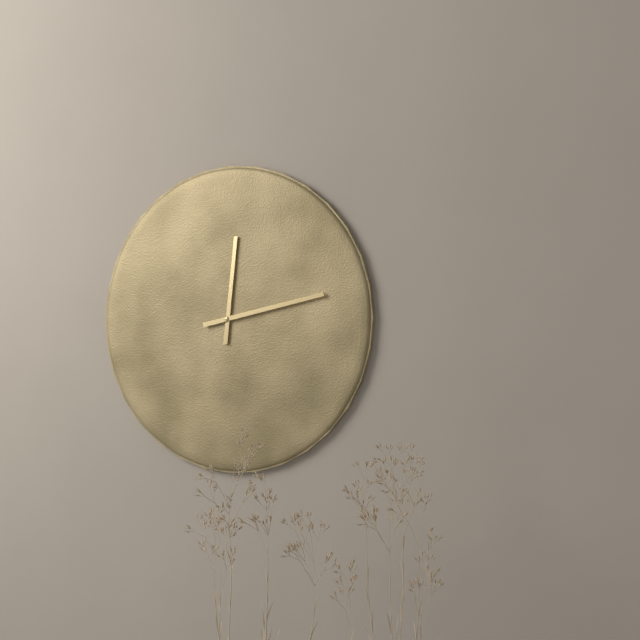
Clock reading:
**12:13**
